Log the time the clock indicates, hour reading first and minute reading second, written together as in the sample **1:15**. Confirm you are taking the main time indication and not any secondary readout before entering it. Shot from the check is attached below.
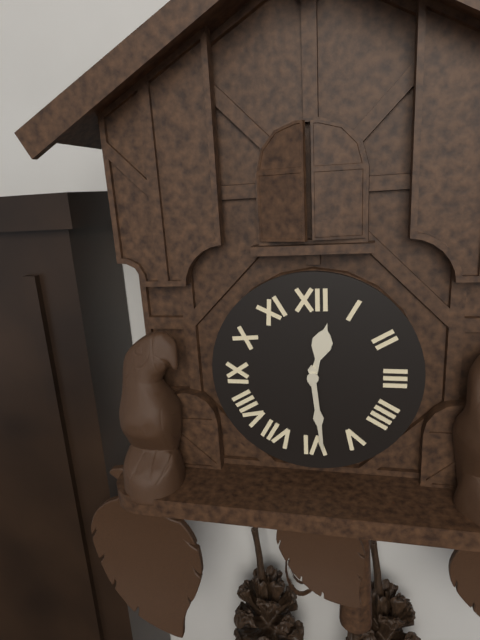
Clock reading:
**12:29**
